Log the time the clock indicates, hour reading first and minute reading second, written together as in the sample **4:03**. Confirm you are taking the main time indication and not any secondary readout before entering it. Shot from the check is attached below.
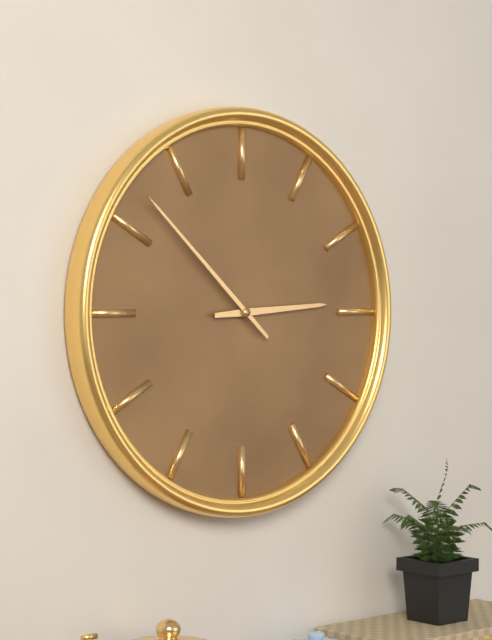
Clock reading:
**2:52**
